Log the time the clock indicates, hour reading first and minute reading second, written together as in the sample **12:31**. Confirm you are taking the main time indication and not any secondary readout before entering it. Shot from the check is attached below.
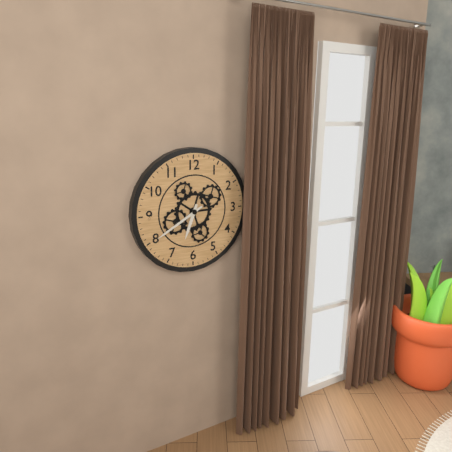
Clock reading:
**6:40**
